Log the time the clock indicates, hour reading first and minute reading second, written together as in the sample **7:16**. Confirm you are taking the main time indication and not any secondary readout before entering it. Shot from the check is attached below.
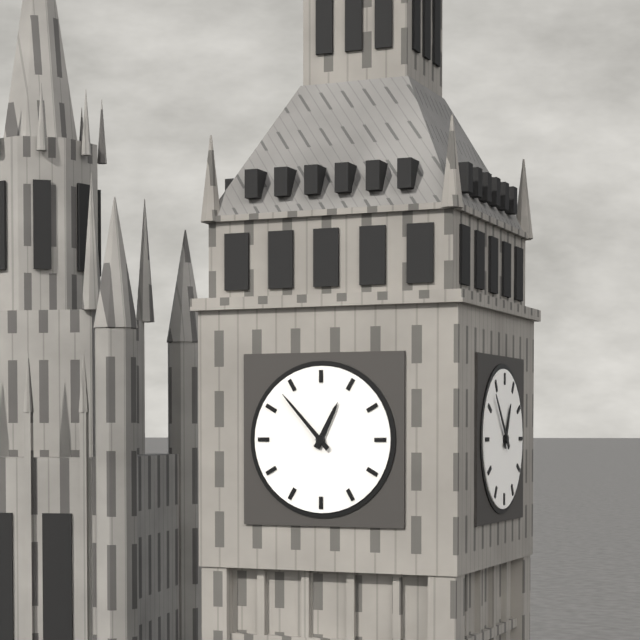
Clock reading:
**12:53**
